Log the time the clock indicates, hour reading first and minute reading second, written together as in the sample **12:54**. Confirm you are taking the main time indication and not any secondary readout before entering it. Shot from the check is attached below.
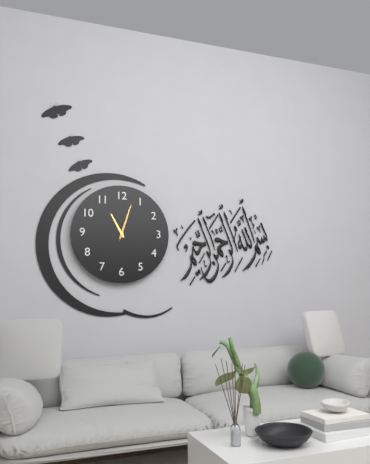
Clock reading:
**11:03**
